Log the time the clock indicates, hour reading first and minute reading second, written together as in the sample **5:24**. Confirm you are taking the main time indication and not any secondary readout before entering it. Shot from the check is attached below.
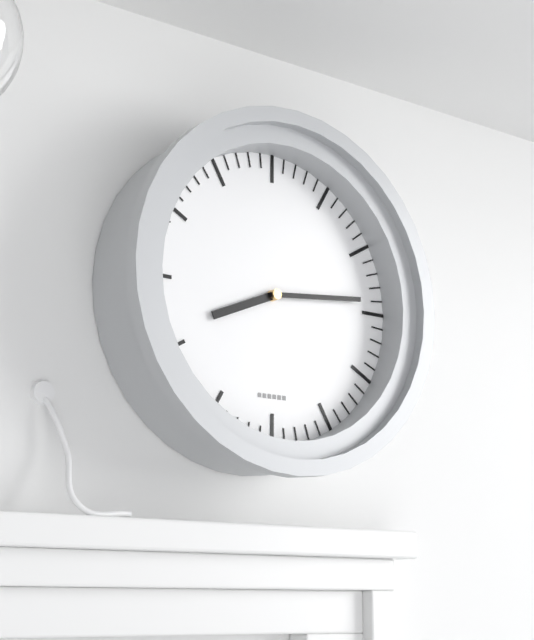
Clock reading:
**8:14**
